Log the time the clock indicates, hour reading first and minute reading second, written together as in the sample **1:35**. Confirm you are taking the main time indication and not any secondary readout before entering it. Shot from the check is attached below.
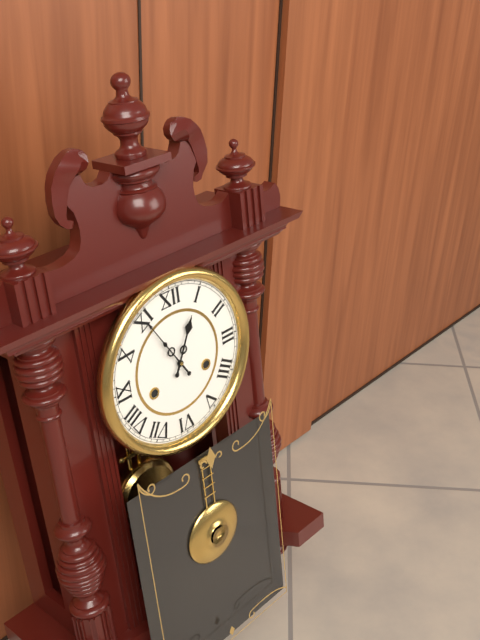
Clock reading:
**12:55**
